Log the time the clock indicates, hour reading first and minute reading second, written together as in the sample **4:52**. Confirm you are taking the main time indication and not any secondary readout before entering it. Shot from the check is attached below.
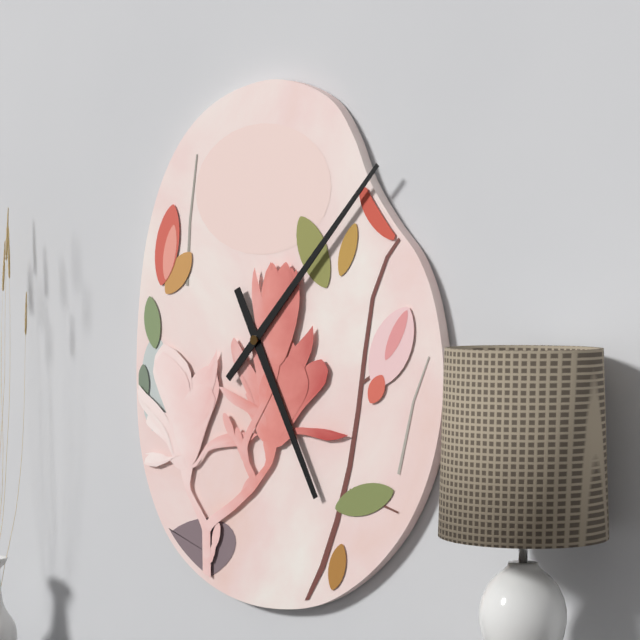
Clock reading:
**5:07**
